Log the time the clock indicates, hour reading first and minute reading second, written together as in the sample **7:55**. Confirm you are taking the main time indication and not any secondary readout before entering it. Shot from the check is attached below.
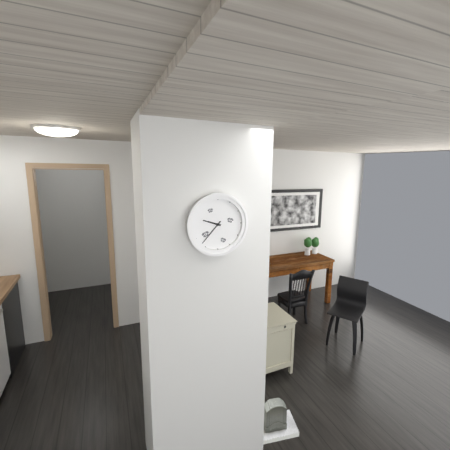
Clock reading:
**9:37**
